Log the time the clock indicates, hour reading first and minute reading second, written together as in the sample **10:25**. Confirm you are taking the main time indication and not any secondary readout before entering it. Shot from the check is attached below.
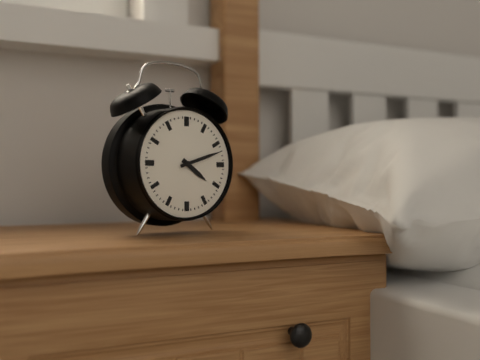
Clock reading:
**4:12**
